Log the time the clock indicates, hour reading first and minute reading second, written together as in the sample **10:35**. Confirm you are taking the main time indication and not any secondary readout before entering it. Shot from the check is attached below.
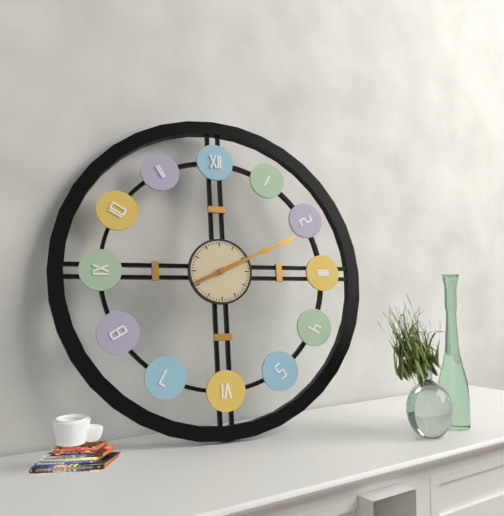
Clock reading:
**2:11**
